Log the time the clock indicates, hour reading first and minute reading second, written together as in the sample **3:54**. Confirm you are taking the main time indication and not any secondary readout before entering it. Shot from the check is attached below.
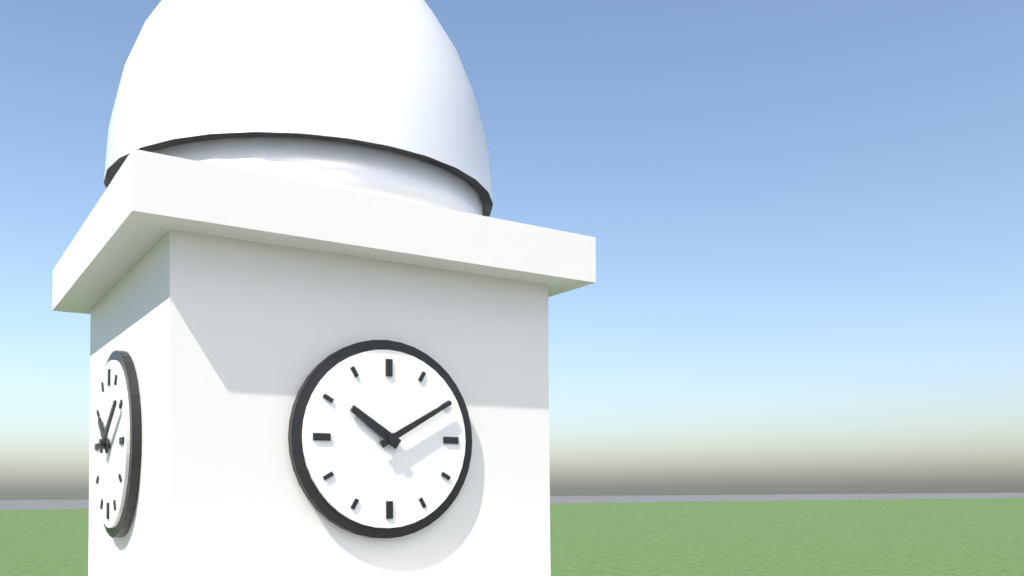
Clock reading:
**10:10**
